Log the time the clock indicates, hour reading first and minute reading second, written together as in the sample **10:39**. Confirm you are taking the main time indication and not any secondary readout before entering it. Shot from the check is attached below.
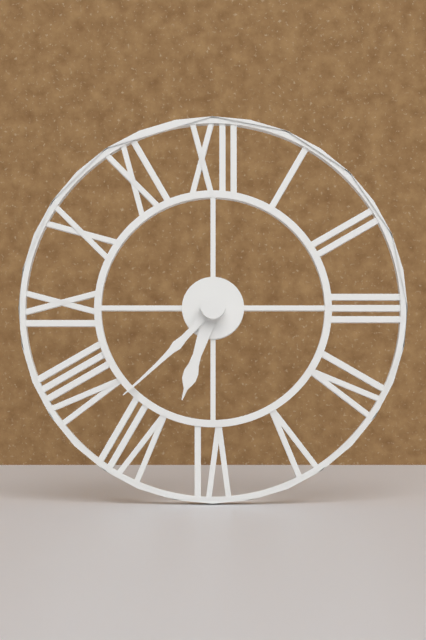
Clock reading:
**6:37**
